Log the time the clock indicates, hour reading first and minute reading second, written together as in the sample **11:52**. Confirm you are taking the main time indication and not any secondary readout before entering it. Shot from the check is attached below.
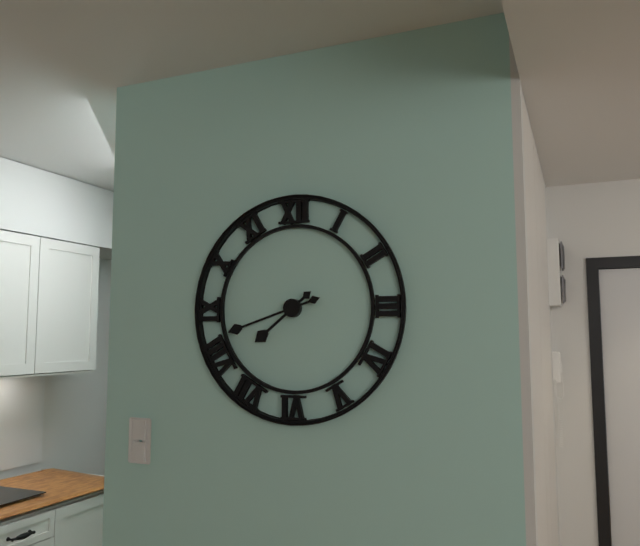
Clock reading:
**7:42**
